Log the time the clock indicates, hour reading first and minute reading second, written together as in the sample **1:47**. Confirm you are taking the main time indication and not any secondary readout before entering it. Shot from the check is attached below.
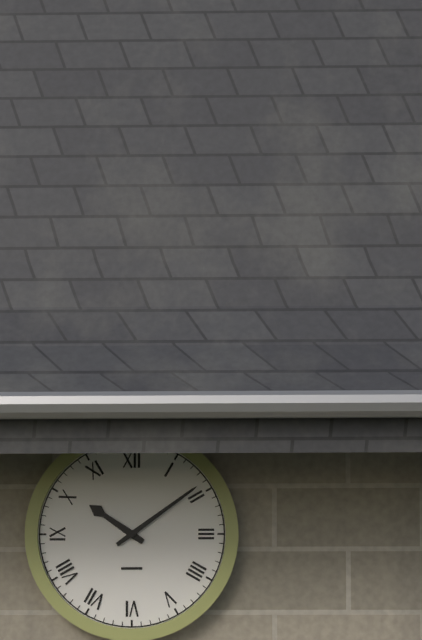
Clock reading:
**10:09**
